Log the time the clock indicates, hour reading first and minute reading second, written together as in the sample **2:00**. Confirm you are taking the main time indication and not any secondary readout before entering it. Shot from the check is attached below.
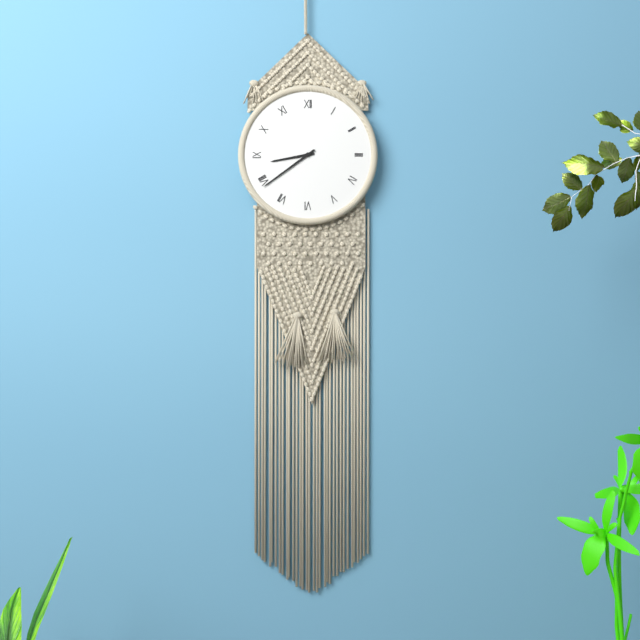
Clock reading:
**8:39**
